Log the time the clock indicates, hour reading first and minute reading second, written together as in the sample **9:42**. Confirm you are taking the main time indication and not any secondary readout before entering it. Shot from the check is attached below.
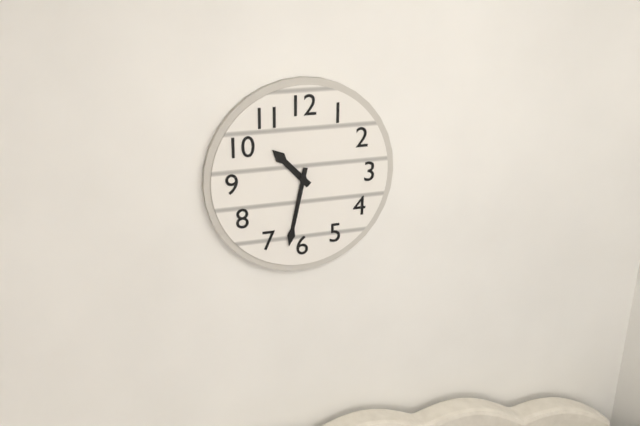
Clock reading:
**10:32**
